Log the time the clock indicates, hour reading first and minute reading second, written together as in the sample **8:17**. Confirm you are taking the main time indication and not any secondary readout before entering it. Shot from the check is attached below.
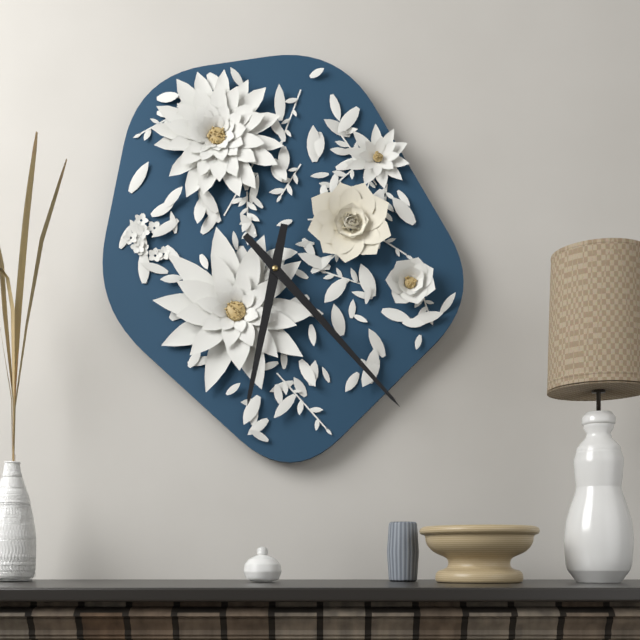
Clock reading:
**6:23**
